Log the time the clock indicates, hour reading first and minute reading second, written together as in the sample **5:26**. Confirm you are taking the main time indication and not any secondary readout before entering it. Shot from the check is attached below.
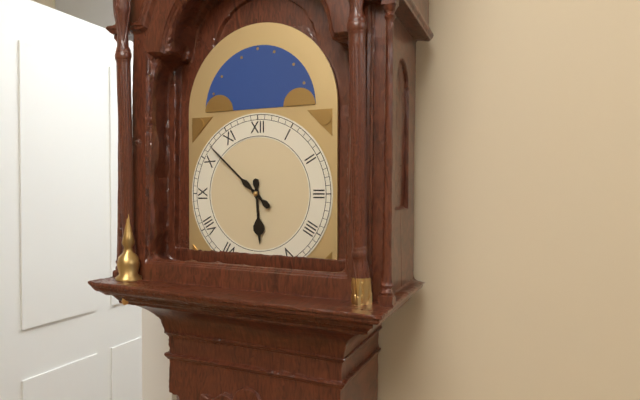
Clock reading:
**5:52**
